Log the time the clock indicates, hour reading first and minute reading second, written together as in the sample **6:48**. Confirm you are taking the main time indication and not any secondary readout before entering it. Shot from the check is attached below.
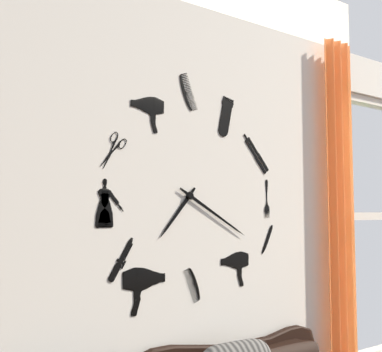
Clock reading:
**7:20**
